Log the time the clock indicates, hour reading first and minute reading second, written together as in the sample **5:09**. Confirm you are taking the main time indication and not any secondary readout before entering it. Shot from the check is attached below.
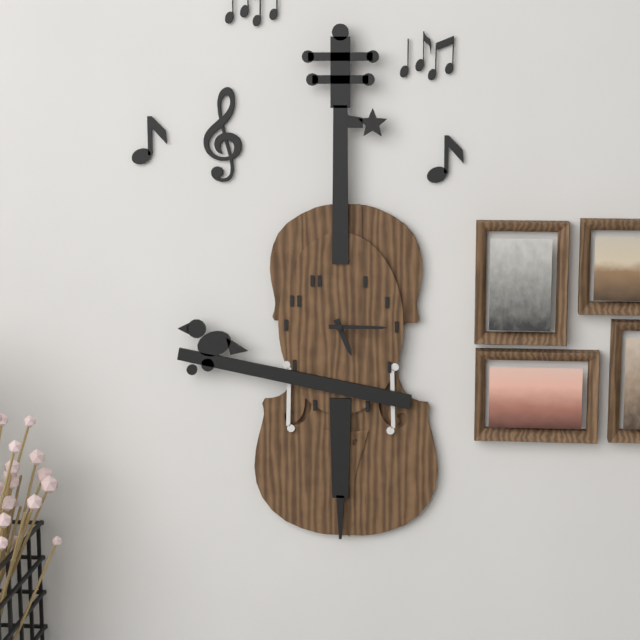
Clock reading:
**5:15**
